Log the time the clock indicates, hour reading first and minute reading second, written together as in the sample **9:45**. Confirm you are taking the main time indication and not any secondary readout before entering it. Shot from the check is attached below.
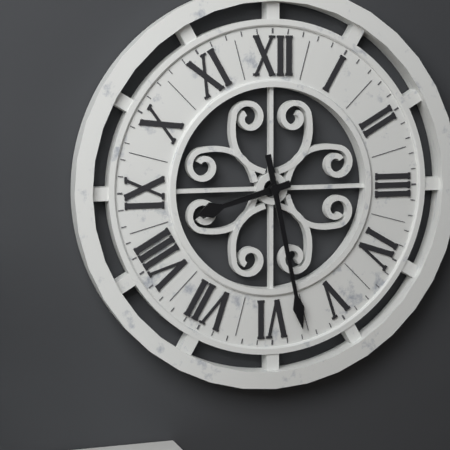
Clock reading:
**8:28**
